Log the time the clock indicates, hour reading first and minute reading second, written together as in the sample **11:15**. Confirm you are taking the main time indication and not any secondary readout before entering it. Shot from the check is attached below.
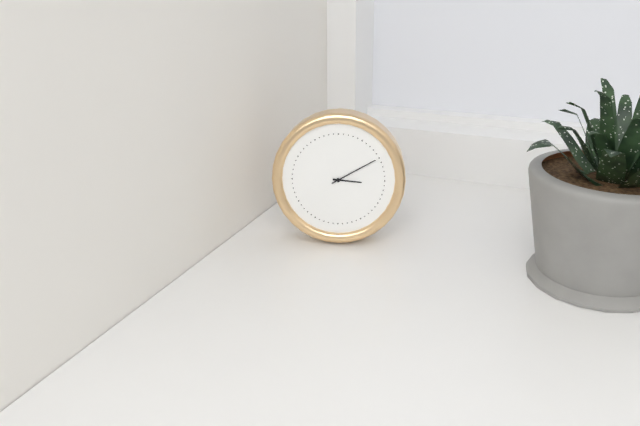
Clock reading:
**3:10**
